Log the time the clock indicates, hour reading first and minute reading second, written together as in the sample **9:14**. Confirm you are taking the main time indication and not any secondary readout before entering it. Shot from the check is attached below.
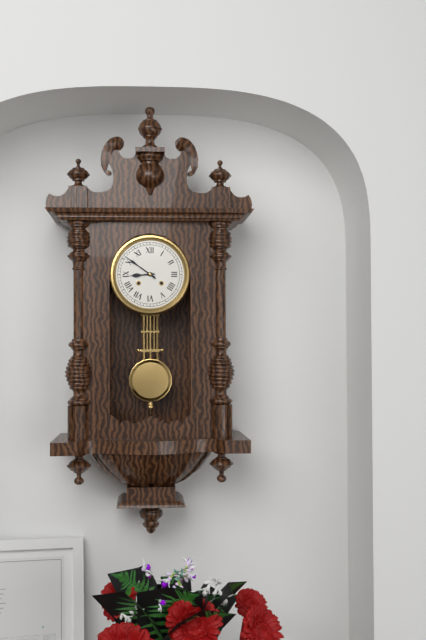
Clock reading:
**8:51**
